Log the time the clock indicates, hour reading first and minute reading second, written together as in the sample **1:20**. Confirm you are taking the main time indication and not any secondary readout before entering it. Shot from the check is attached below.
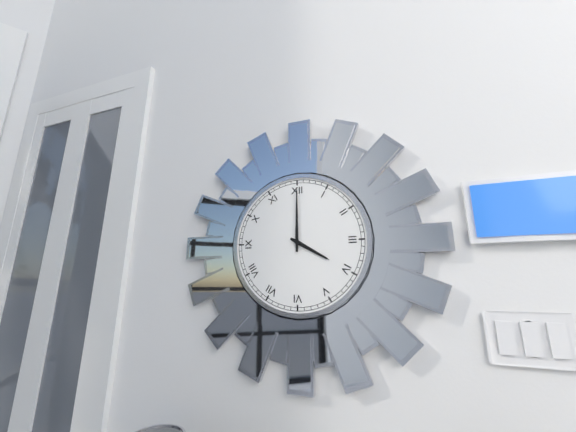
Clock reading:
**4:00**
